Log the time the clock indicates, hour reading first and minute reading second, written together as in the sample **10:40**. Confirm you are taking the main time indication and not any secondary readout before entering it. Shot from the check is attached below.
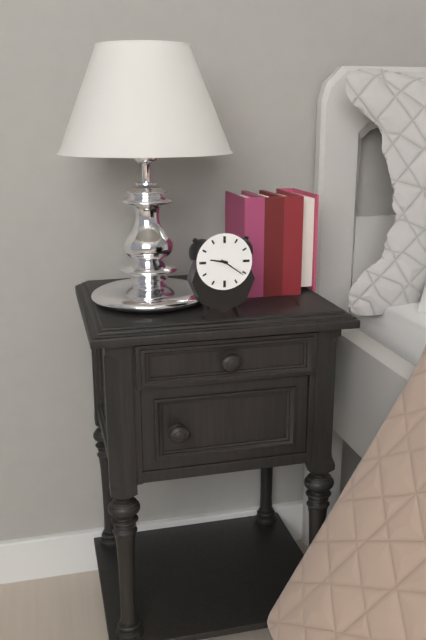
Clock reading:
**9:21**
